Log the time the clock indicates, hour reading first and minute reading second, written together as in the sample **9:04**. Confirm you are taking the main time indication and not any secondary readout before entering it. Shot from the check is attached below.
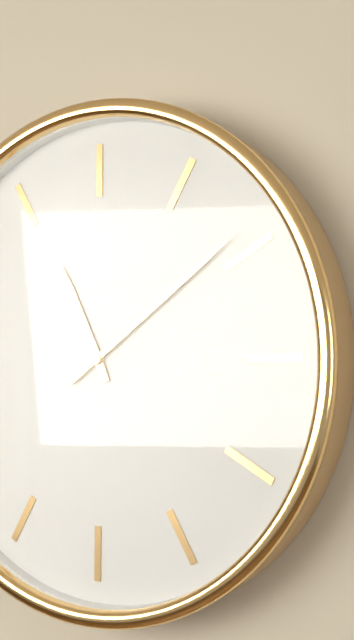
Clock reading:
**11:09**
